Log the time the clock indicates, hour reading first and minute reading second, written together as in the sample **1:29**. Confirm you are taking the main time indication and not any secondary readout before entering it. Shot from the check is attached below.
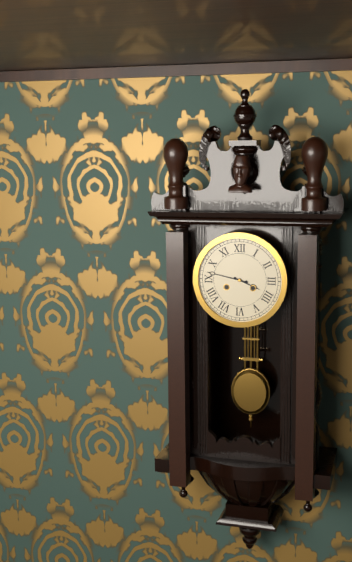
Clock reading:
**3:47**
